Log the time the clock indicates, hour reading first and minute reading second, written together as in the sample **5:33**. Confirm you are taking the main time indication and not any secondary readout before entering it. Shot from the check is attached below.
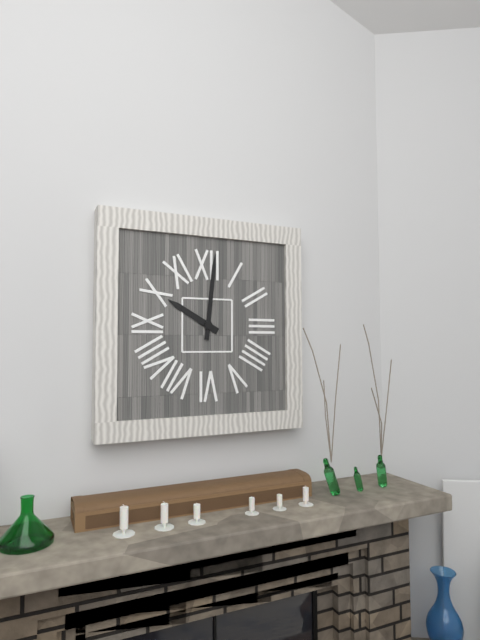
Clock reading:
**10:01**
